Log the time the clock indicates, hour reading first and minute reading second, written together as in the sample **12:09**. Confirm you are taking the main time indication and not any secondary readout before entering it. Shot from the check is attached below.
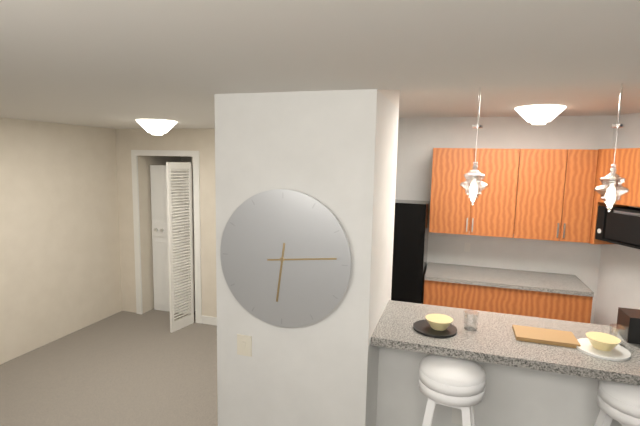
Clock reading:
**6:14**
